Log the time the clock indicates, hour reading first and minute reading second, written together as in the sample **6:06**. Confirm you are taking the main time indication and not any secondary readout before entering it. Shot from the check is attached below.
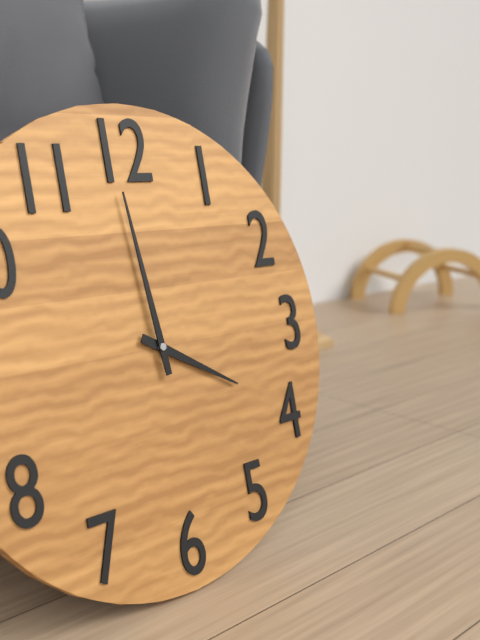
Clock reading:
**3:59**
